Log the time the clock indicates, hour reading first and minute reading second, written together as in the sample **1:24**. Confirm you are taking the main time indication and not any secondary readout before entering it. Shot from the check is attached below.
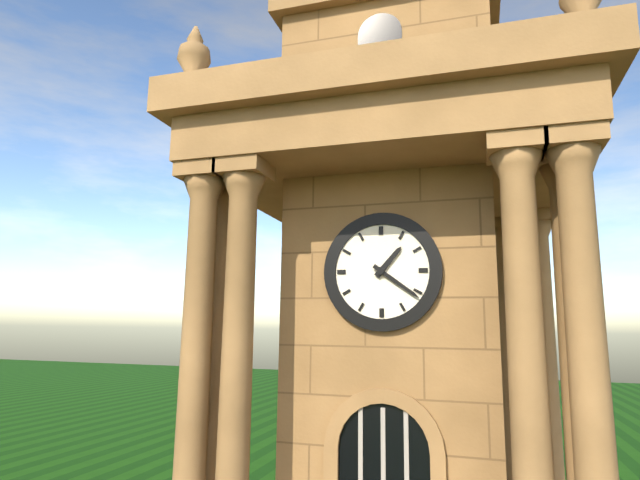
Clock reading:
**1:21**
